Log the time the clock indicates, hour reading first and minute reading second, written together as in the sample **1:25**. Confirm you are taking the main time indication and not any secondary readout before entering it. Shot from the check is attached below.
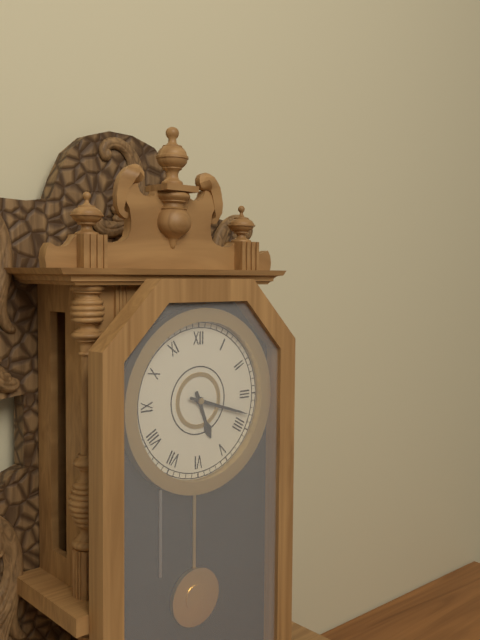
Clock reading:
**5:18**
